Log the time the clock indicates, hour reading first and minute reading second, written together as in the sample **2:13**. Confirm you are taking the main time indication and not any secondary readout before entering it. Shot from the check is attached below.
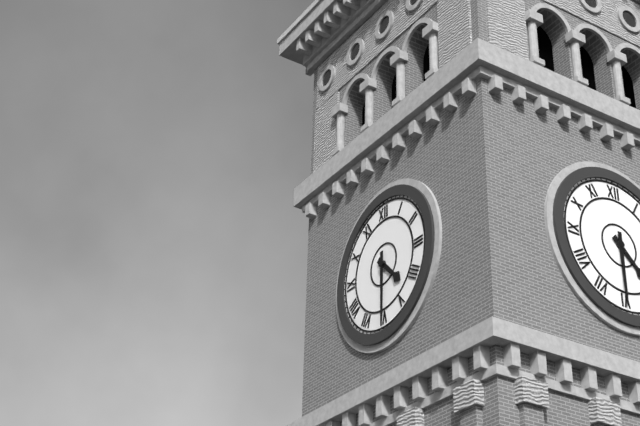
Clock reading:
**4:30**
